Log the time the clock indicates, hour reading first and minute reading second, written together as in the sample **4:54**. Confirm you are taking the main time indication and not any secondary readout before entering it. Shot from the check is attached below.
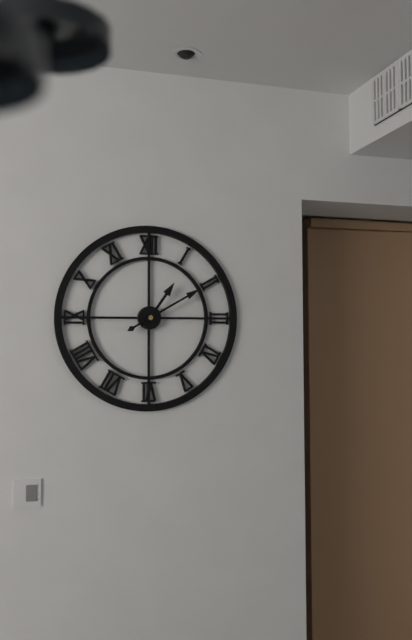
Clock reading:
**1:10**
